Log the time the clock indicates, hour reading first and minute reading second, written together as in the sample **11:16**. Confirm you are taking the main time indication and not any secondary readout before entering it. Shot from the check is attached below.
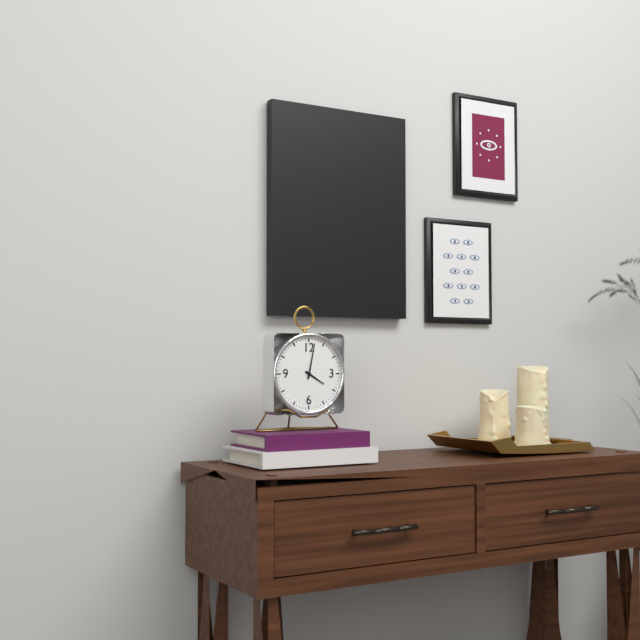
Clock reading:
**4:02**
